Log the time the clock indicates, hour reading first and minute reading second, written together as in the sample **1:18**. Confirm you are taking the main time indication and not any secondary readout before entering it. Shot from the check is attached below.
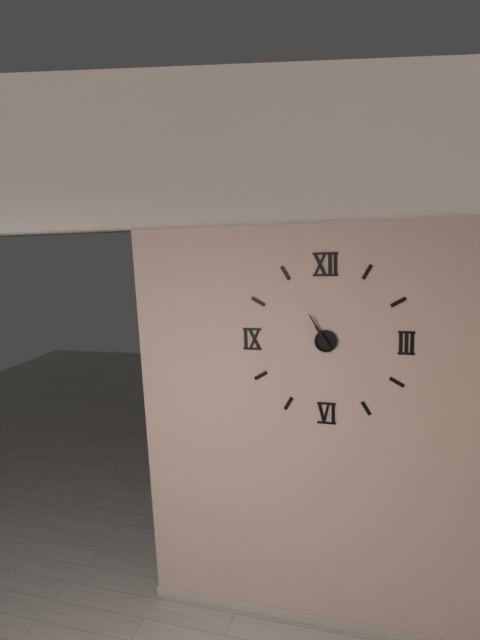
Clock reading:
**10:55**
